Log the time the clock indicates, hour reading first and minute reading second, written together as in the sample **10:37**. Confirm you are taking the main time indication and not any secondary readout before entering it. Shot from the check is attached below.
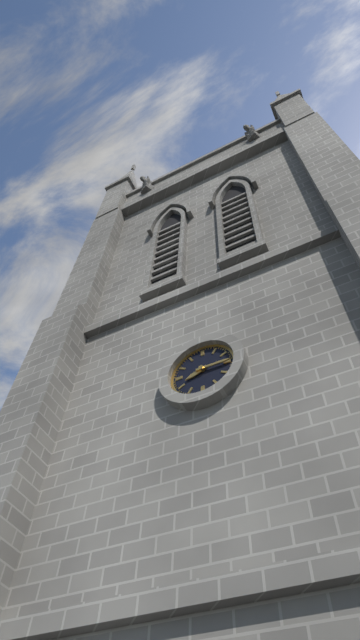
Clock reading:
**8:15**
